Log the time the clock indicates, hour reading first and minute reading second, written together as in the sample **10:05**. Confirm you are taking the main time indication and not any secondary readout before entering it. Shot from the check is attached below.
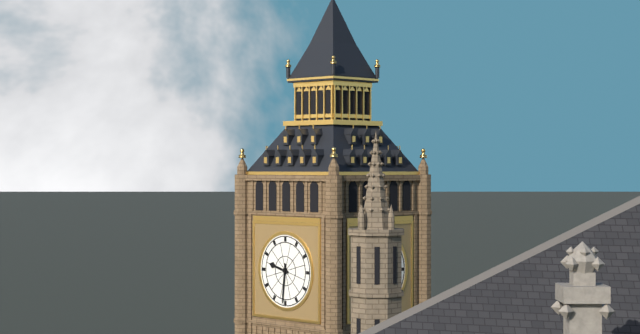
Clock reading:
**9:31**
